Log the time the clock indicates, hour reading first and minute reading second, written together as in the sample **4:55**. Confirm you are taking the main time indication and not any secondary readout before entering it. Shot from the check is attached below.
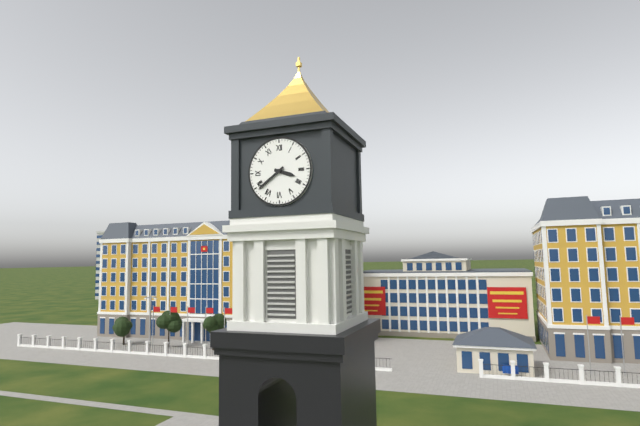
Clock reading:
**3:39**
